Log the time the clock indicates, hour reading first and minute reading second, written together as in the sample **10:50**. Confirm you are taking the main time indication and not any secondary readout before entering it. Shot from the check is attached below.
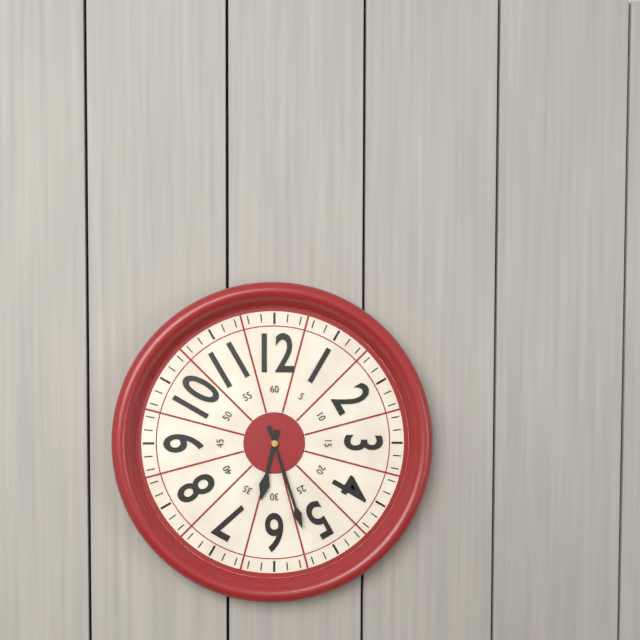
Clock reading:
**6:27**
